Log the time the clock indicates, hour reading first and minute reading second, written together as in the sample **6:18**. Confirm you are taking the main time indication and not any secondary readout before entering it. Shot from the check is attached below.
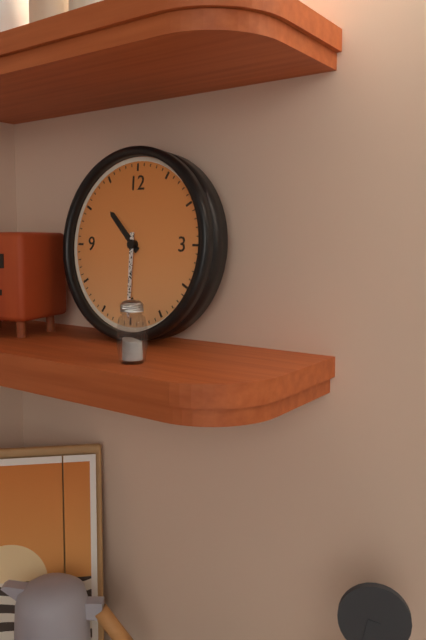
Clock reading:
**10:30**
